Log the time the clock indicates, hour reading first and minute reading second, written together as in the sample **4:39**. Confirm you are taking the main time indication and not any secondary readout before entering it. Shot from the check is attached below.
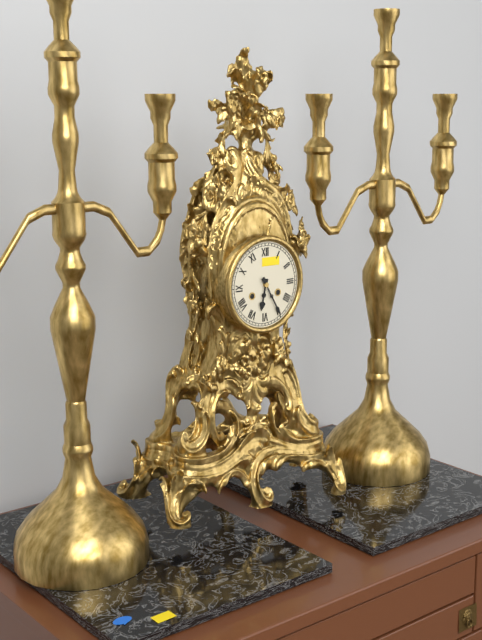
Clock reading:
**6:25**
